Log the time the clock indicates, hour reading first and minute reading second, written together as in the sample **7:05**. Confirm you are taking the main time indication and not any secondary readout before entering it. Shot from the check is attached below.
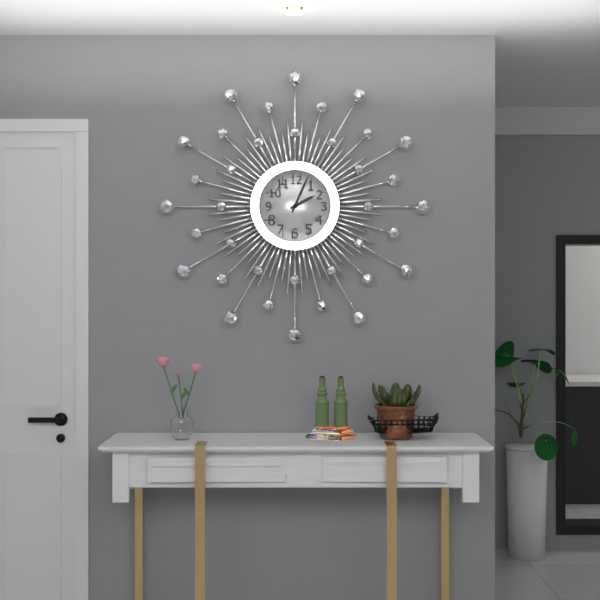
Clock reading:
**2:04**
